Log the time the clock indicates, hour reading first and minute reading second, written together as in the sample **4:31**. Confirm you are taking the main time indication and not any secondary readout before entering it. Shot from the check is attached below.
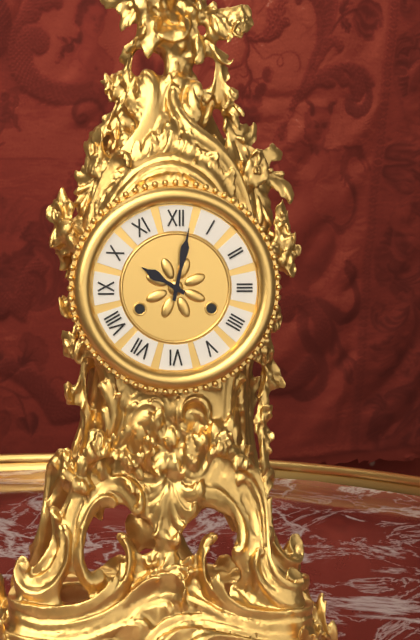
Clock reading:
**10:02**
